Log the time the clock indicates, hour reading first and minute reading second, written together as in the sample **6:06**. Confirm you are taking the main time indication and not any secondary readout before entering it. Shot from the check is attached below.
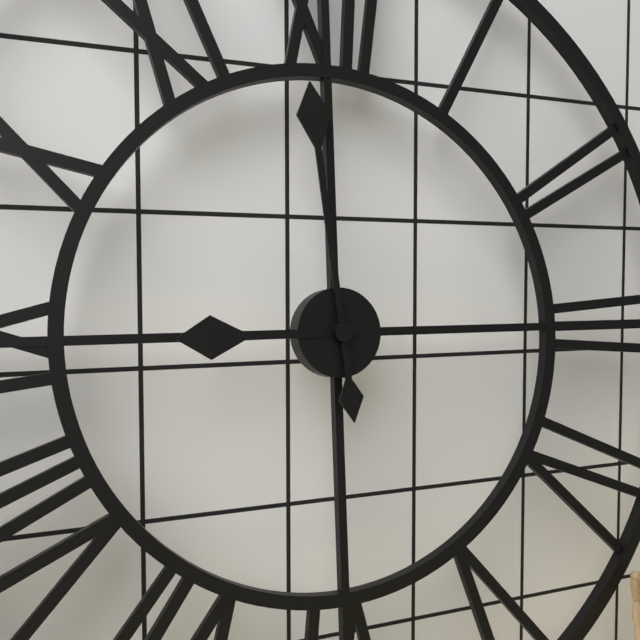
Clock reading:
**8:59**
